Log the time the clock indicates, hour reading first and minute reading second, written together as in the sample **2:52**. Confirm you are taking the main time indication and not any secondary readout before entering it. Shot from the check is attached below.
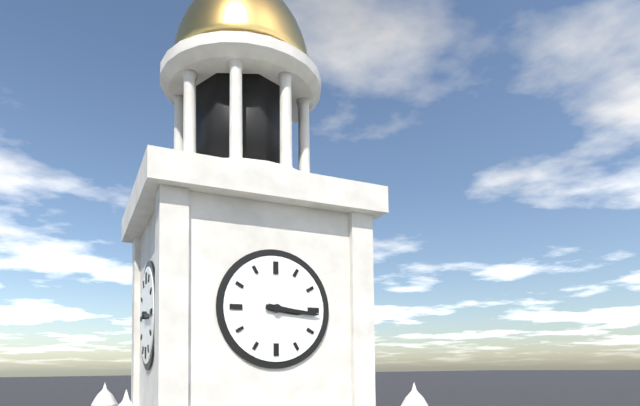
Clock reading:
**3:16**
